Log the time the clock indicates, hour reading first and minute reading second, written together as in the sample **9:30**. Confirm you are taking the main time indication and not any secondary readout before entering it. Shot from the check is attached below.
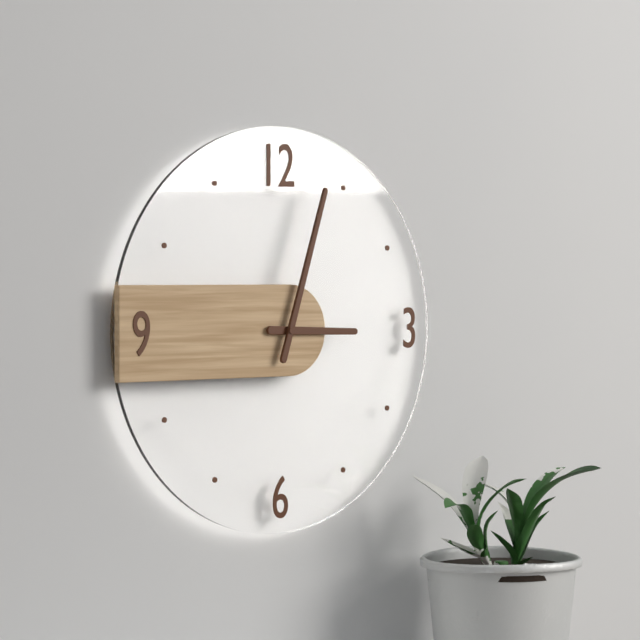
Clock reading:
**3:03**
